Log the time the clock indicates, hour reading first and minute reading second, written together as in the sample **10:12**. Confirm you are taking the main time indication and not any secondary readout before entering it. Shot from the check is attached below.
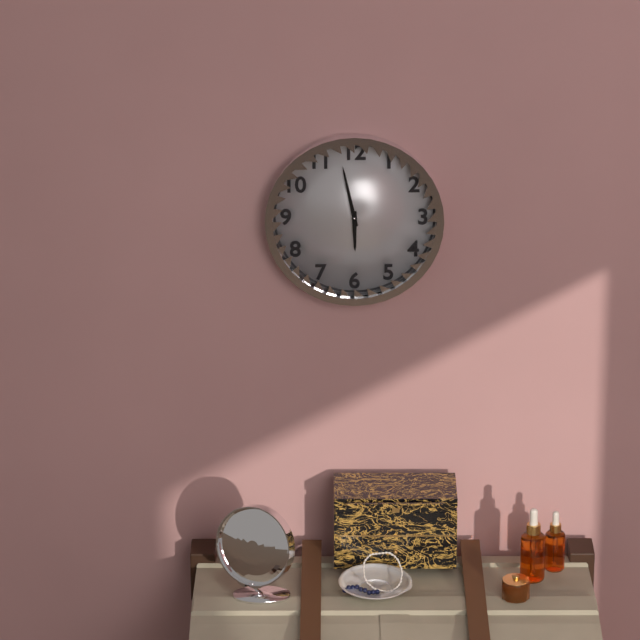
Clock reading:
**5:58**
